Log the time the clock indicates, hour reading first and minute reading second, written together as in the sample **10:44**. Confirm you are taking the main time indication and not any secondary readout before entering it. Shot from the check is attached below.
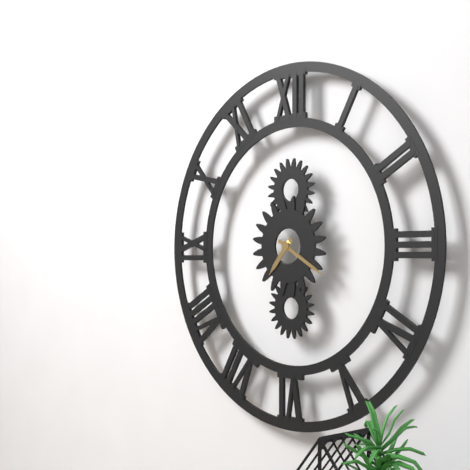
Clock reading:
**7:20**
